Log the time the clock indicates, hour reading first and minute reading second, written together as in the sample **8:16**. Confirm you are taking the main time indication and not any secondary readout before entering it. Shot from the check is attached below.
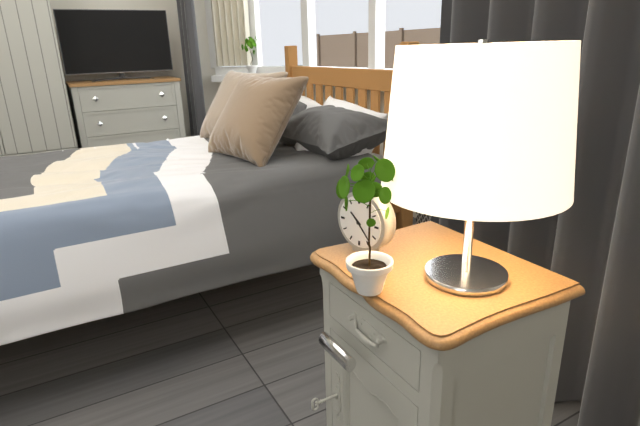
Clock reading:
**10:23**
